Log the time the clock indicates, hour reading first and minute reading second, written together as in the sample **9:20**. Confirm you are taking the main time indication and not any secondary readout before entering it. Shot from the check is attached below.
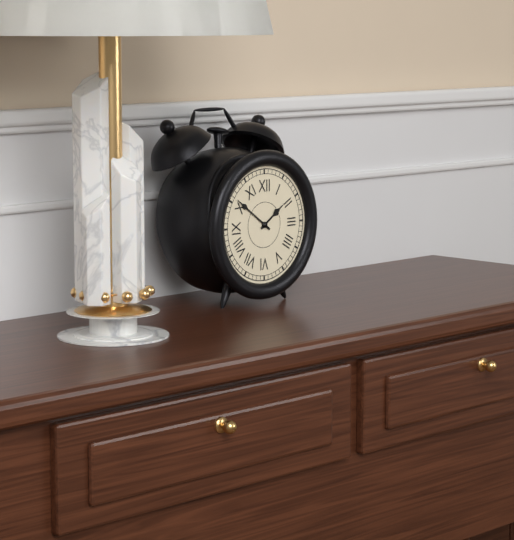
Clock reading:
**1:51**
